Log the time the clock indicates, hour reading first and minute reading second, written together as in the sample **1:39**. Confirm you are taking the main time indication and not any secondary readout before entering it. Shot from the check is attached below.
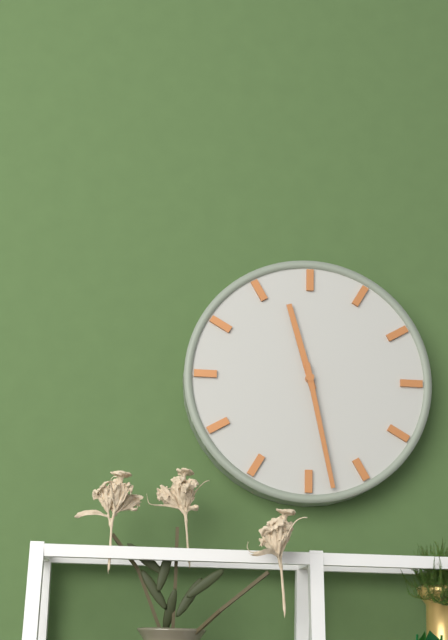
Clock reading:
**11:28**
